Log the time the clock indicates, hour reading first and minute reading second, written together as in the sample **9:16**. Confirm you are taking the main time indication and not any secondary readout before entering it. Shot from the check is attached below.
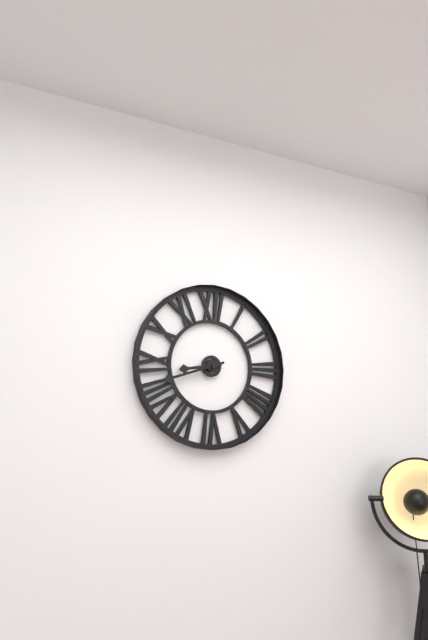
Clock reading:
**8:42**
